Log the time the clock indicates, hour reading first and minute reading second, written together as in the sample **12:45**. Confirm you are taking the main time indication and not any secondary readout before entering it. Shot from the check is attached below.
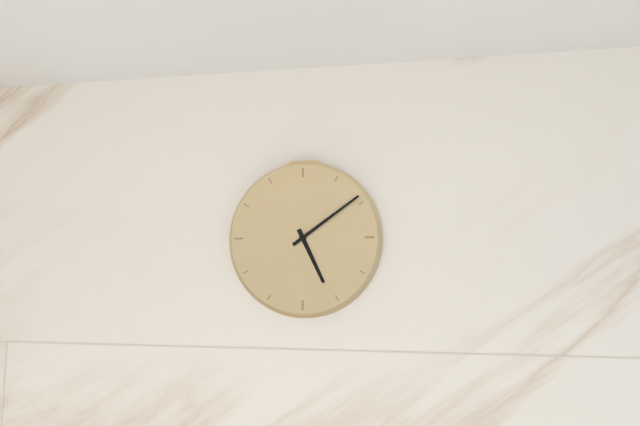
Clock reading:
**5:09**
